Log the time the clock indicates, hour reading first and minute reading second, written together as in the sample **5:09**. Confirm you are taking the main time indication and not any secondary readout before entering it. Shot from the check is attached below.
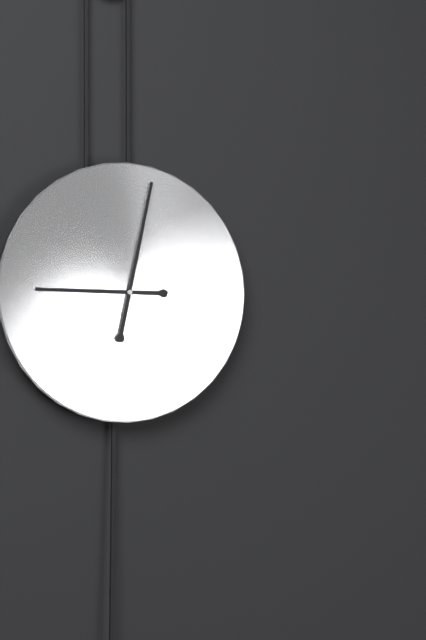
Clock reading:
**9:02**
